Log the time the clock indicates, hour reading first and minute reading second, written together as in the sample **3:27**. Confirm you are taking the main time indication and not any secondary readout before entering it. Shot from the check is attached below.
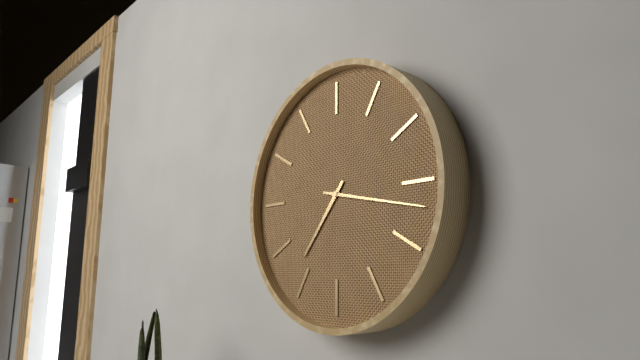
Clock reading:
**7:17**
